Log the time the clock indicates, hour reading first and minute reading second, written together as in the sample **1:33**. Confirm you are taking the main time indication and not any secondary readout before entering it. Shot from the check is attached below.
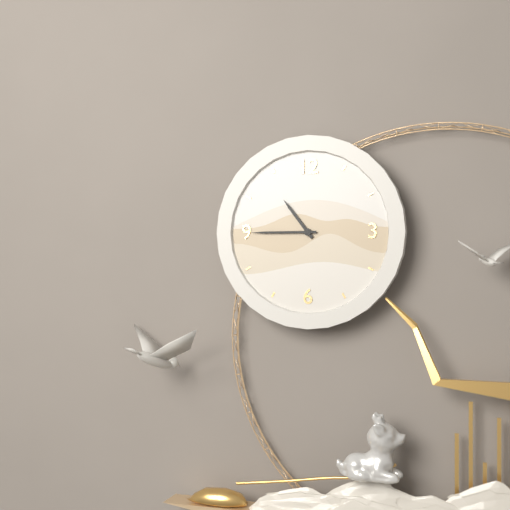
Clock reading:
**10:45**
